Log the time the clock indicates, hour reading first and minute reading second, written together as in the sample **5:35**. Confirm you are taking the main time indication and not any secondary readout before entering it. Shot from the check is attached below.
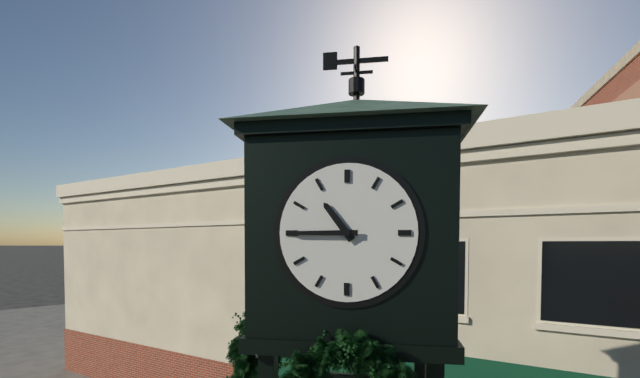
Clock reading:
**10:45**
